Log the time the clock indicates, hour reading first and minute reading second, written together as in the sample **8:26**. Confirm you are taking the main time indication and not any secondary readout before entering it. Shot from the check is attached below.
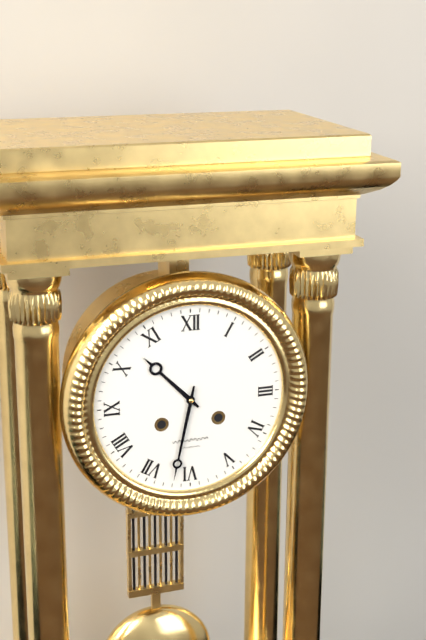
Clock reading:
**10:32**
